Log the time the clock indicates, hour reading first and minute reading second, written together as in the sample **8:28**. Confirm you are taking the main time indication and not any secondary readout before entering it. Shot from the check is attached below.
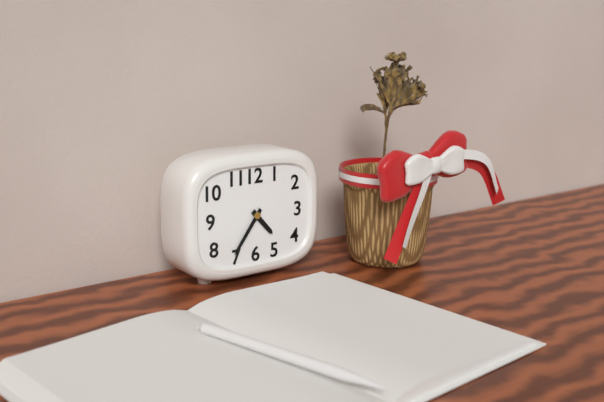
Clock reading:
**4:36**
